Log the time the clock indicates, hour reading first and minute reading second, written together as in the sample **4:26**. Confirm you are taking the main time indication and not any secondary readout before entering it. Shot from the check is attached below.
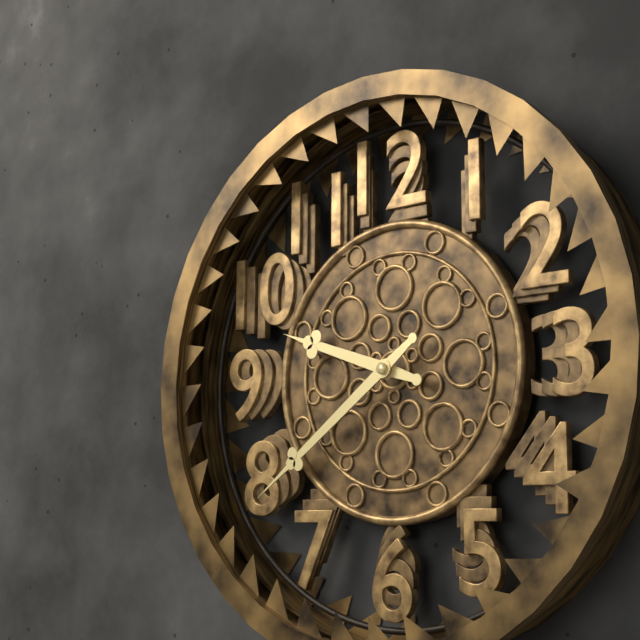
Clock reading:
**9:39**
